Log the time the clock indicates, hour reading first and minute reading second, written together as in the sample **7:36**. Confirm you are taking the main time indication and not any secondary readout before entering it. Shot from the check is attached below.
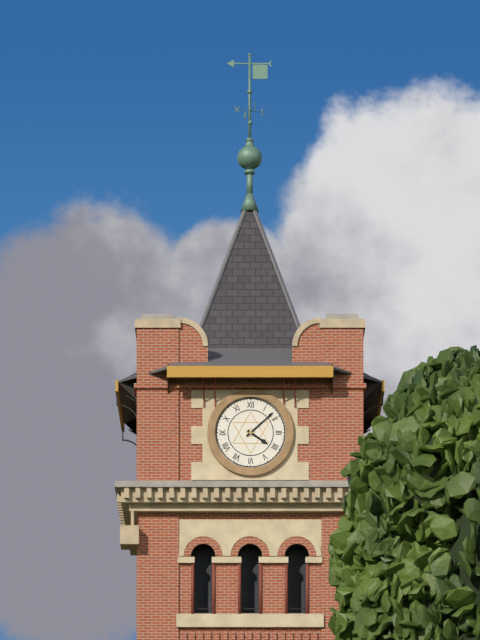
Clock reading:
**4:08**
